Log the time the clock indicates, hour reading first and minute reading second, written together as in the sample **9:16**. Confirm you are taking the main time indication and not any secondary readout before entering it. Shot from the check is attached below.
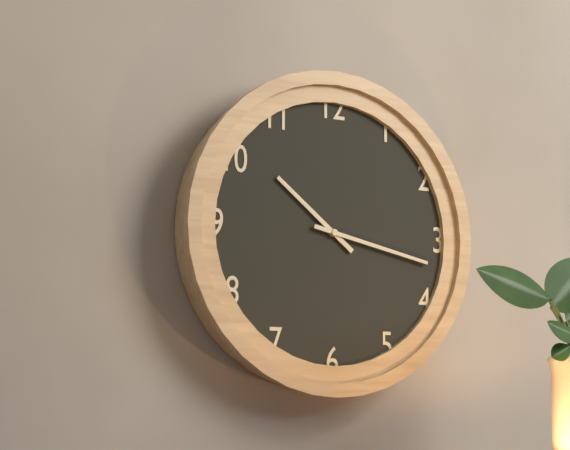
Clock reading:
**10:17**
